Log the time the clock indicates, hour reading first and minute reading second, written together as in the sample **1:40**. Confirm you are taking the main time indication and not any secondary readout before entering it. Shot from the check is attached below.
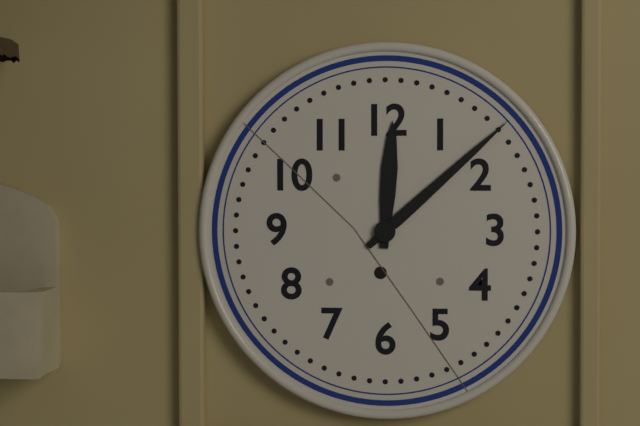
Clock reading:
**12:08**
